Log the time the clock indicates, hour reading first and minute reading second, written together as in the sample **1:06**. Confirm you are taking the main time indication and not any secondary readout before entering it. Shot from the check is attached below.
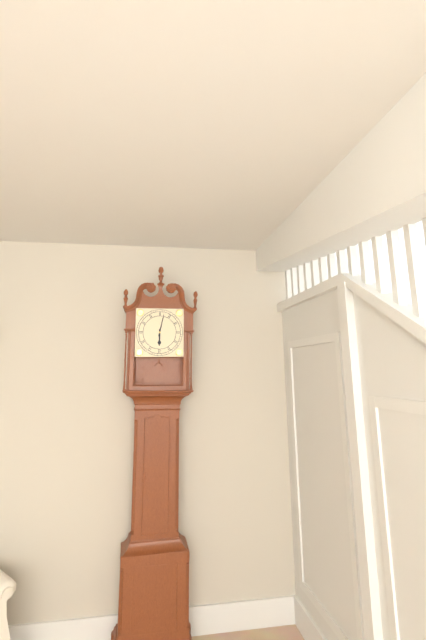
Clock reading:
**6:02**
